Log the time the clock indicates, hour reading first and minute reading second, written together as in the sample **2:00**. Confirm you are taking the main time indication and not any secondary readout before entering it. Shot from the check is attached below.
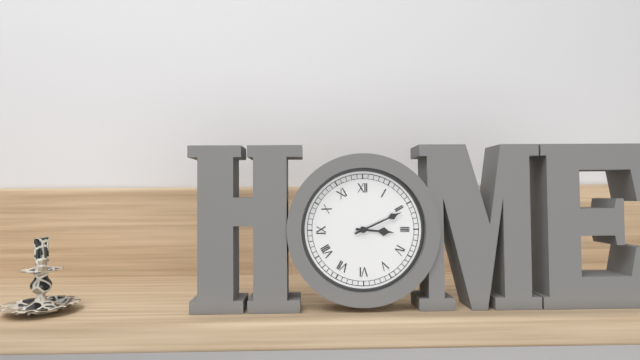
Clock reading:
**3:11**
